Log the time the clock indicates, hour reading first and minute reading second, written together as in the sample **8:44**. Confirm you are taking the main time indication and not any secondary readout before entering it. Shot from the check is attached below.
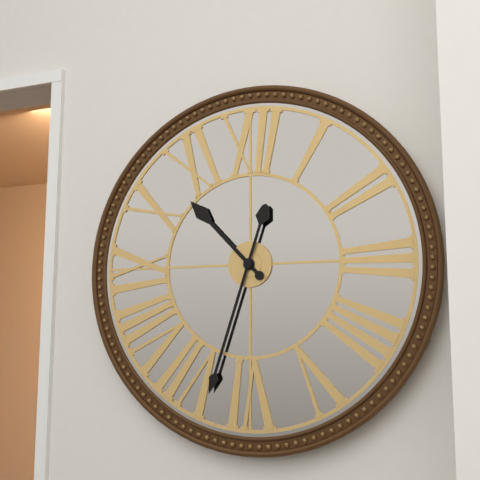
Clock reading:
**10:33**
